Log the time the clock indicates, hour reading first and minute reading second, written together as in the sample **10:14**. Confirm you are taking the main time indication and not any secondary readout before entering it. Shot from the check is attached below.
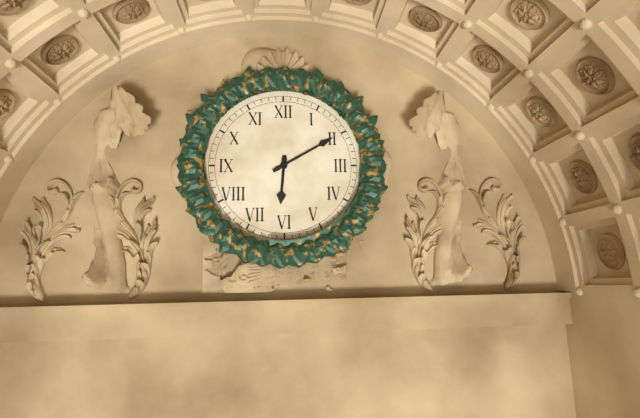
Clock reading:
**6:10**
